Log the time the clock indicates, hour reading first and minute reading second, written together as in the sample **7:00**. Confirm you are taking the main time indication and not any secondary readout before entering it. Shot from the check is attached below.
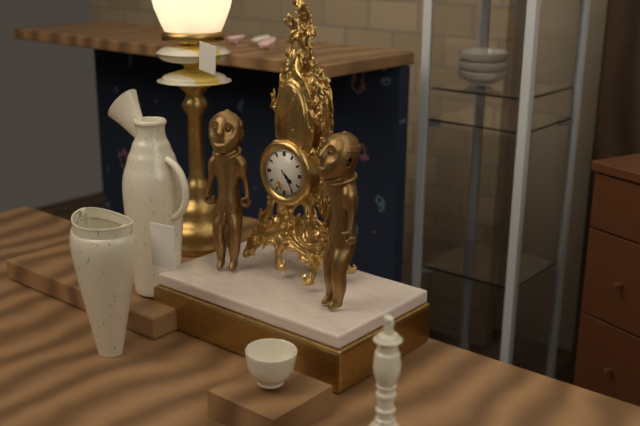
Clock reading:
**4:24**
